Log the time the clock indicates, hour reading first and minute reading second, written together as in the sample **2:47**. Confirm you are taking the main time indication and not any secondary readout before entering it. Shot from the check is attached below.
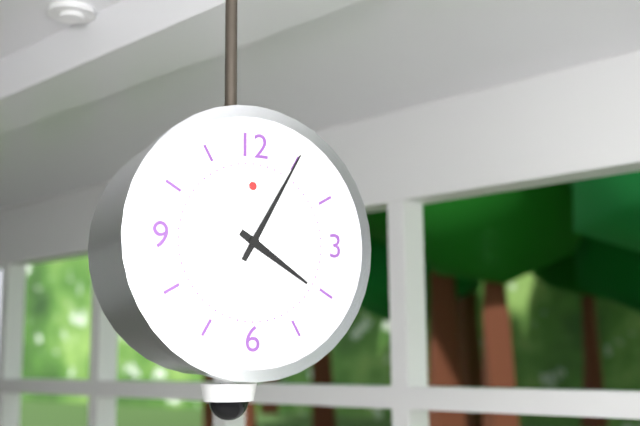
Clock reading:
**4:05**
